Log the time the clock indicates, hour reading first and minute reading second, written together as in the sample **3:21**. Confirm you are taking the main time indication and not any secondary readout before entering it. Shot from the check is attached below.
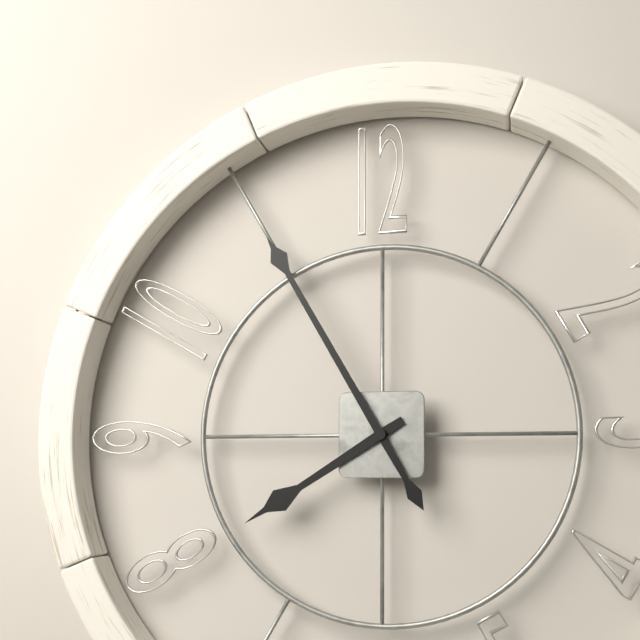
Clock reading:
**7:55**
